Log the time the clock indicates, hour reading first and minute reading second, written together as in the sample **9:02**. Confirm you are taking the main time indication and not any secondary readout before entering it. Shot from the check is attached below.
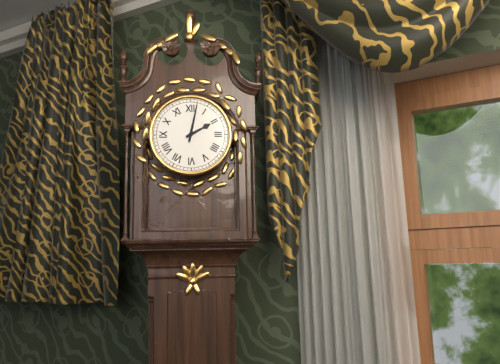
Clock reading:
**2:02**
